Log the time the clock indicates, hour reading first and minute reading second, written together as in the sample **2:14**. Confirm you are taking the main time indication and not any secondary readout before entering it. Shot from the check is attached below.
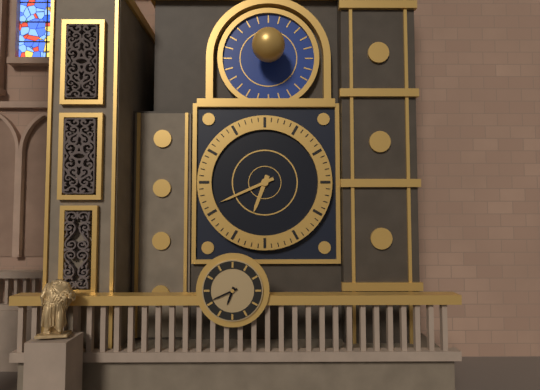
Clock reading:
**6:41**
